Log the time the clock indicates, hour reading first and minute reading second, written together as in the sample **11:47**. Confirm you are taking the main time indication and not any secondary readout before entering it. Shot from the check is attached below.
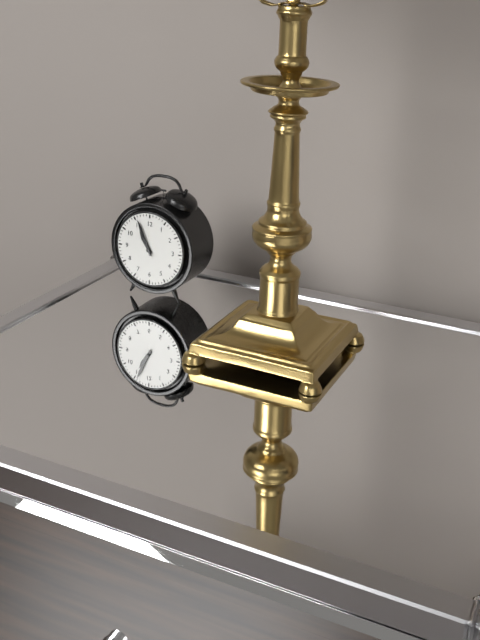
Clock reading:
**10:56**
